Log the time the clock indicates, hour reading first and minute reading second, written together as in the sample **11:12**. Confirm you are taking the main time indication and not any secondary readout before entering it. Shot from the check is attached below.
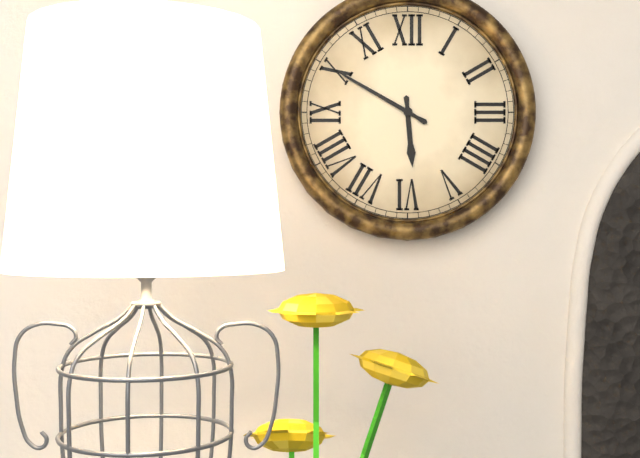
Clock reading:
**5:50**
